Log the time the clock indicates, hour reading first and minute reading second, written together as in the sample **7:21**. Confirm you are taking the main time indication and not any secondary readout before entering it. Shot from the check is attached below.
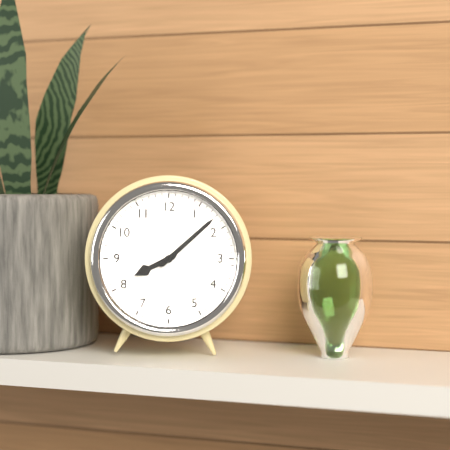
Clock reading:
**8:08**
